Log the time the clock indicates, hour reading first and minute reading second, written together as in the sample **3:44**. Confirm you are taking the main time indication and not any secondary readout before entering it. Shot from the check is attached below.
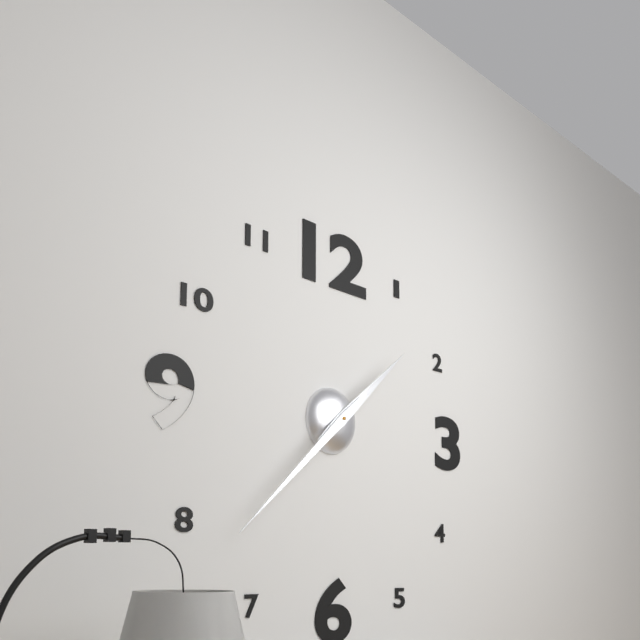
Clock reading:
**1:38**
